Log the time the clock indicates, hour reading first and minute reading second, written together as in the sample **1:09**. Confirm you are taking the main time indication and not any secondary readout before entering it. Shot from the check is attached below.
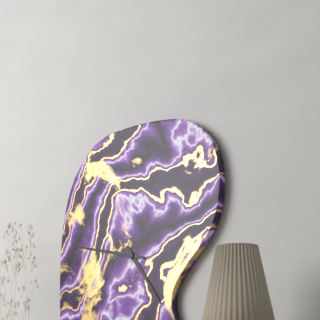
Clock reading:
**4:47**
